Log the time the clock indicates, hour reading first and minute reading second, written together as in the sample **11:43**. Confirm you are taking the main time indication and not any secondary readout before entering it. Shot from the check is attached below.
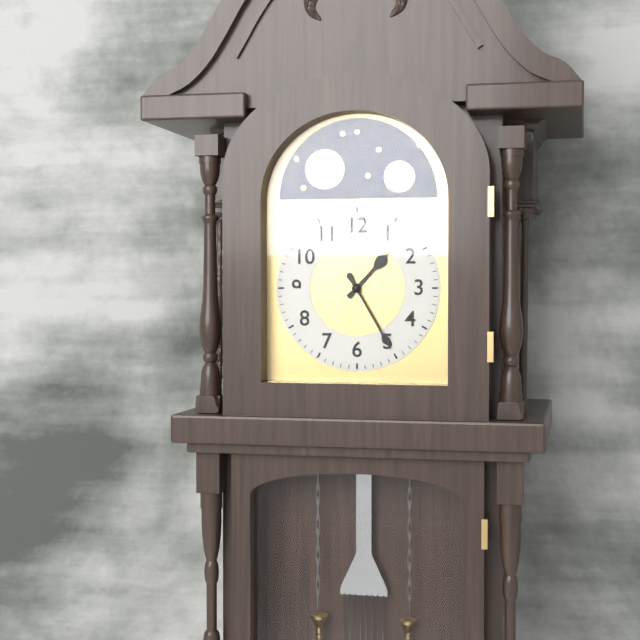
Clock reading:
**1:25**
